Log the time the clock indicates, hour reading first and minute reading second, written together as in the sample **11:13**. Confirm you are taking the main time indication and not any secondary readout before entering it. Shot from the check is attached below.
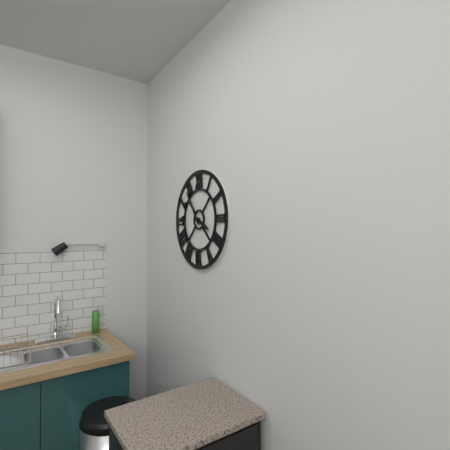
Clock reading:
**3:54**
